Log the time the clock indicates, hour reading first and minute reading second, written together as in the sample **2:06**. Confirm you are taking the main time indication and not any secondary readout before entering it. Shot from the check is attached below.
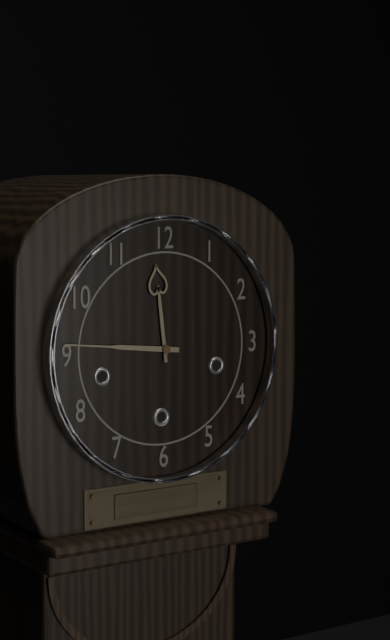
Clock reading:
**11:46**
